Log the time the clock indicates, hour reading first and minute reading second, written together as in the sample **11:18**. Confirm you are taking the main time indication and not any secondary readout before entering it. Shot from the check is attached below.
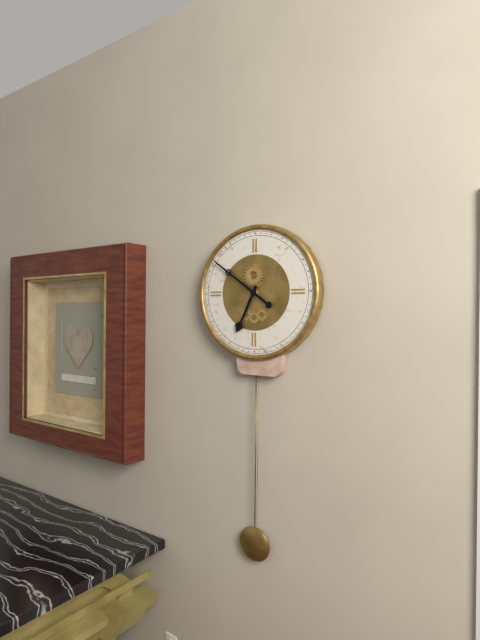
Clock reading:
**6:51**
